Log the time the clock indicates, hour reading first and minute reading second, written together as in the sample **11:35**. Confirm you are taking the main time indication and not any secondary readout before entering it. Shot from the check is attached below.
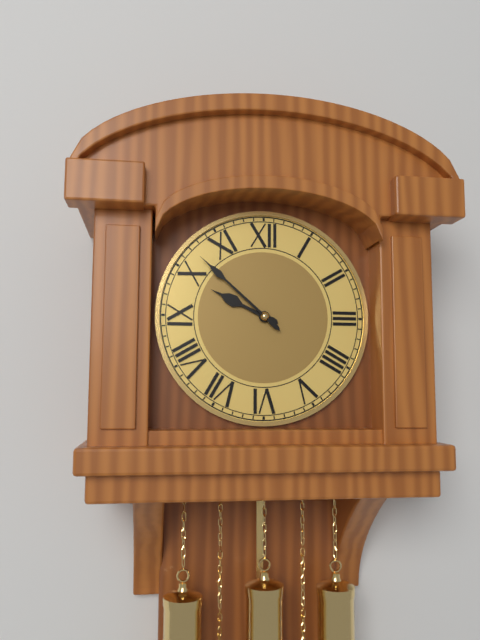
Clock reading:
**9:52**
